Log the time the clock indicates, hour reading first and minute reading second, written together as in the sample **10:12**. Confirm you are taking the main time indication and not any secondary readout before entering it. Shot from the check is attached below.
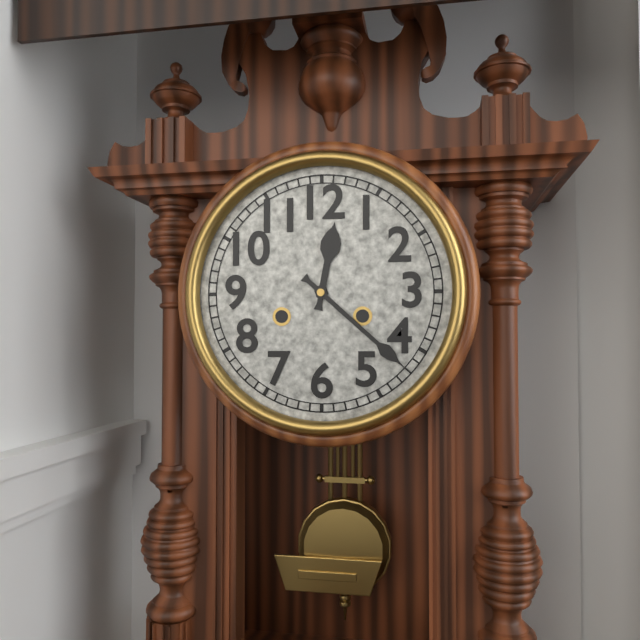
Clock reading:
**12:22**
